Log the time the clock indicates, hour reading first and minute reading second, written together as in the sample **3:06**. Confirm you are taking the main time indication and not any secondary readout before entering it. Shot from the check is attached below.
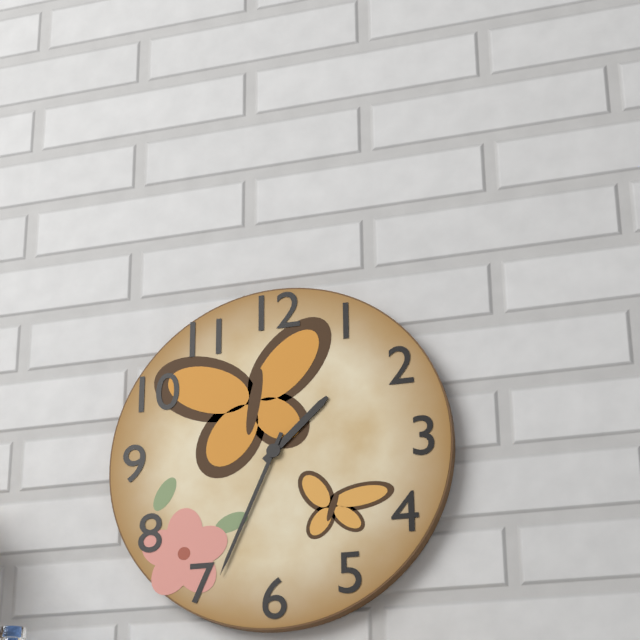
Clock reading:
**1:34**
